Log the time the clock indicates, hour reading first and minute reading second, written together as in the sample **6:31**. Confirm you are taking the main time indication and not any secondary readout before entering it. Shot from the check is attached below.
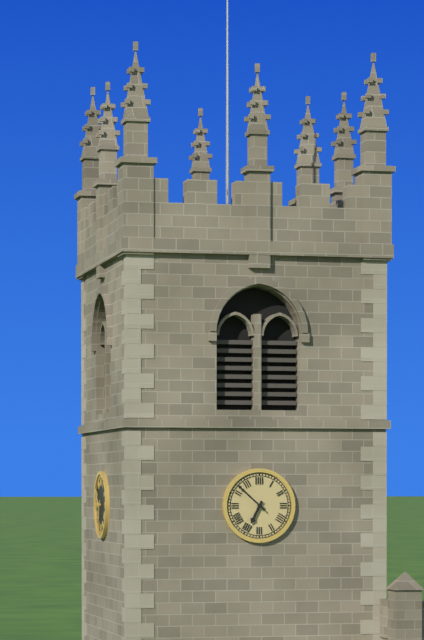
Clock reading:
**6:52**
